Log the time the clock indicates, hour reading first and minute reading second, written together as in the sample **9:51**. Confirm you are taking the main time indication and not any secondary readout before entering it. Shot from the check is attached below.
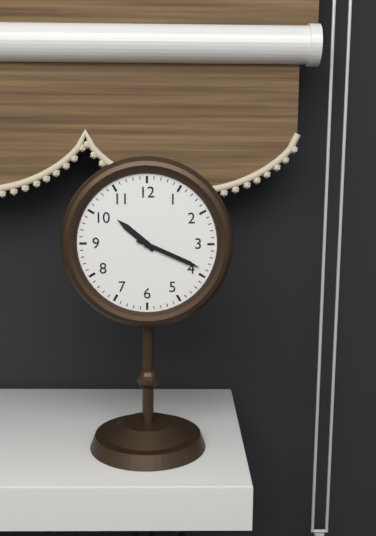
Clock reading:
**10:19**
